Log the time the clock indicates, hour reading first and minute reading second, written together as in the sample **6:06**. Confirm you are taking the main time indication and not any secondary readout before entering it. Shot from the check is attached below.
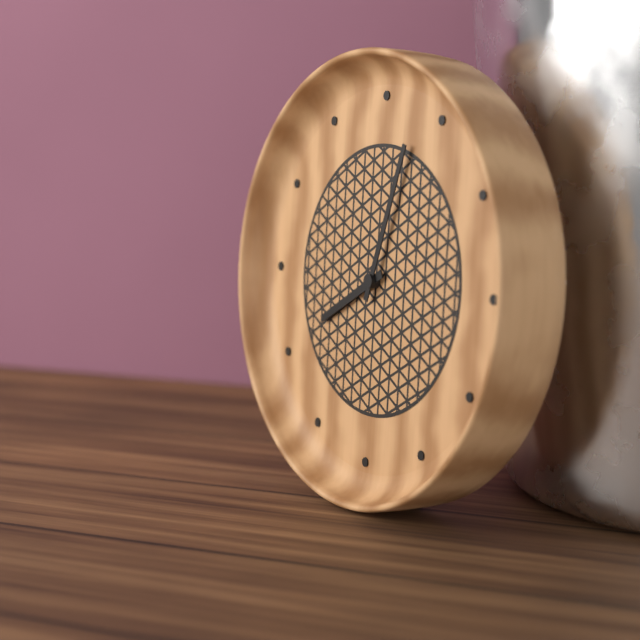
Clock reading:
**8:03**
